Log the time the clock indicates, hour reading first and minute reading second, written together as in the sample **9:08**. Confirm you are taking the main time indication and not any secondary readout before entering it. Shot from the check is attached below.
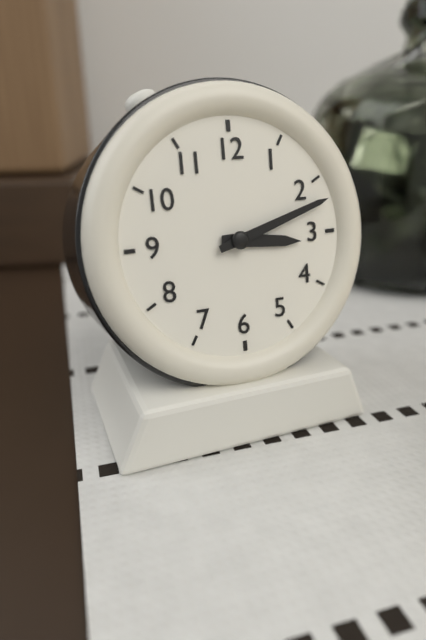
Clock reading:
**3:12**
